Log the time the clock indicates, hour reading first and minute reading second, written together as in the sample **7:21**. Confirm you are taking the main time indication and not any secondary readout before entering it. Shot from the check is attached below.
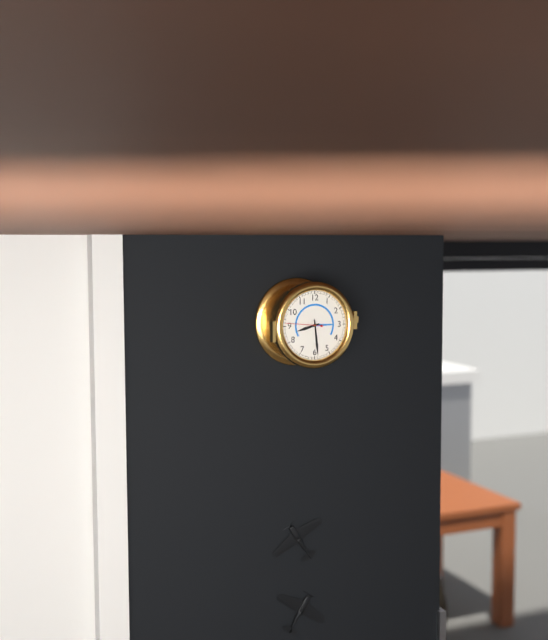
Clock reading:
**8:29**
